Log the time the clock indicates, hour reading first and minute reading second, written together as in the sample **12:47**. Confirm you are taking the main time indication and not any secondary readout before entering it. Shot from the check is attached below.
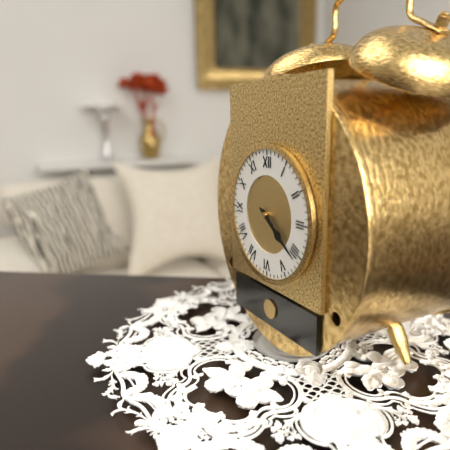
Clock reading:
**4:21**
